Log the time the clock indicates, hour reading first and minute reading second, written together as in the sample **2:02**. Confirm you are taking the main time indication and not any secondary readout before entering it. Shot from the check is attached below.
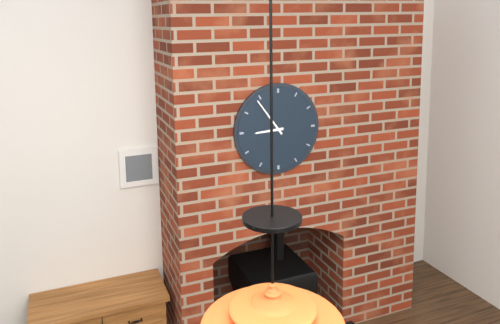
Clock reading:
**8:54**
